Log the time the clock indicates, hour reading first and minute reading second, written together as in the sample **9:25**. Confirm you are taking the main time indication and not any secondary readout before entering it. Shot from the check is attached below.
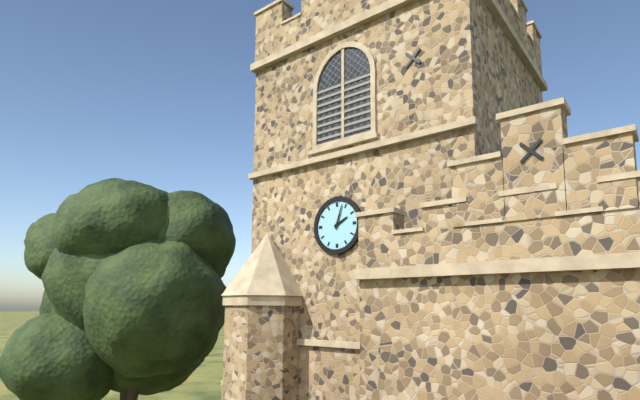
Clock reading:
**2:03**
